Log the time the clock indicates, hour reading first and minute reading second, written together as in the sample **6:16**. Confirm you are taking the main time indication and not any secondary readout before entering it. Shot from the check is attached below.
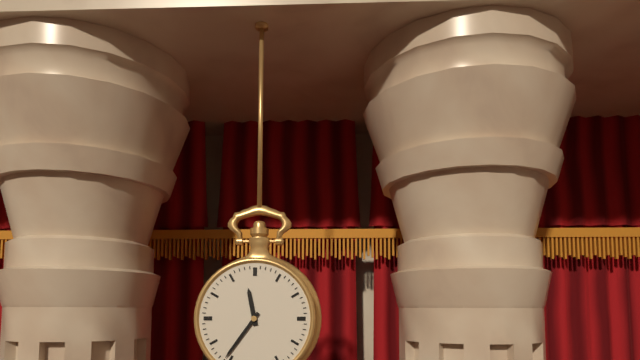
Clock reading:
**11:36**
